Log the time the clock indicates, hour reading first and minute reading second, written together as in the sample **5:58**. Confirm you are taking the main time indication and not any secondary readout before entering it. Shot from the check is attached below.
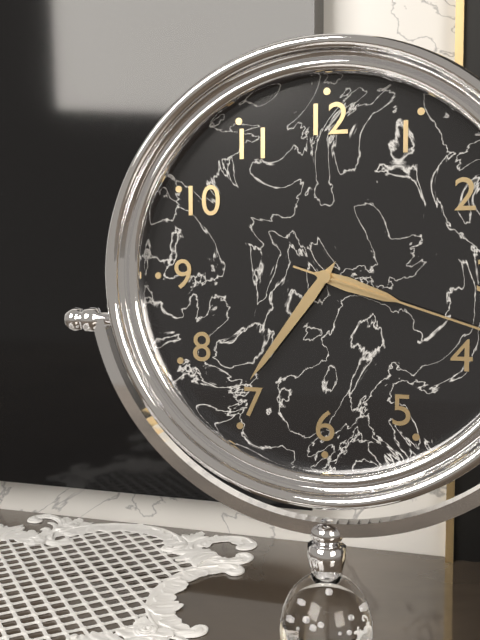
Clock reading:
**3:36**
